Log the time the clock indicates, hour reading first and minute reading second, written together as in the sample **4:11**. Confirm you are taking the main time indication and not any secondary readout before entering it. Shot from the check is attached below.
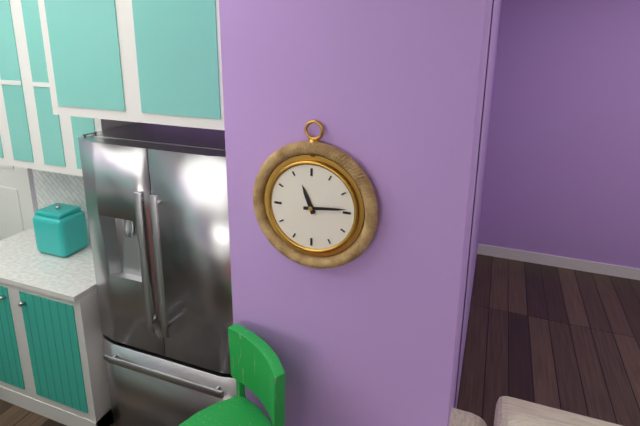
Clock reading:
**11:14**
